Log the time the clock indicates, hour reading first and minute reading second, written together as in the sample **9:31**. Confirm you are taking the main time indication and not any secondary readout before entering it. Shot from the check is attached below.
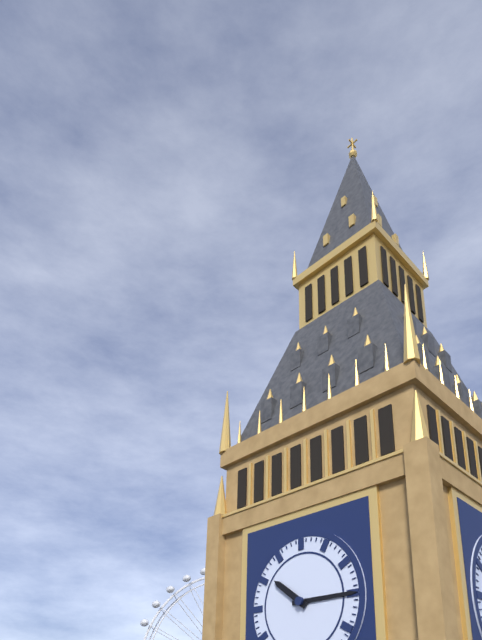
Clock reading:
**10:15**
